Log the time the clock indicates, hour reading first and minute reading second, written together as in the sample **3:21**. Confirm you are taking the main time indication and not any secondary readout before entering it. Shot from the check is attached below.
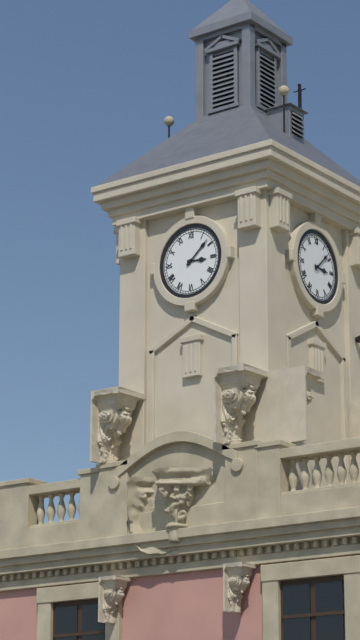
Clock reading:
**3:08**
